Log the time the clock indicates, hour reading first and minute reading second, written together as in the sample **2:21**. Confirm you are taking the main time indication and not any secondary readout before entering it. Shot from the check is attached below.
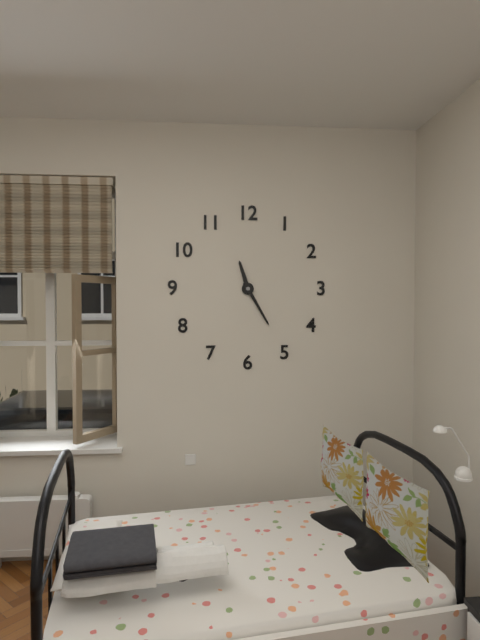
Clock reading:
**11:25**
